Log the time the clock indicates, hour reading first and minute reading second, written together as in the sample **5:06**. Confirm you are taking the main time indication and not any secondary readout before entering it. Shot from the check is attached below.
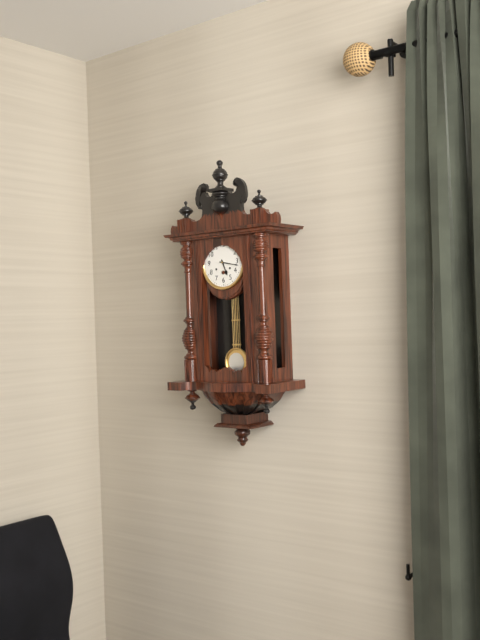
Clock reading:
**5:17**
